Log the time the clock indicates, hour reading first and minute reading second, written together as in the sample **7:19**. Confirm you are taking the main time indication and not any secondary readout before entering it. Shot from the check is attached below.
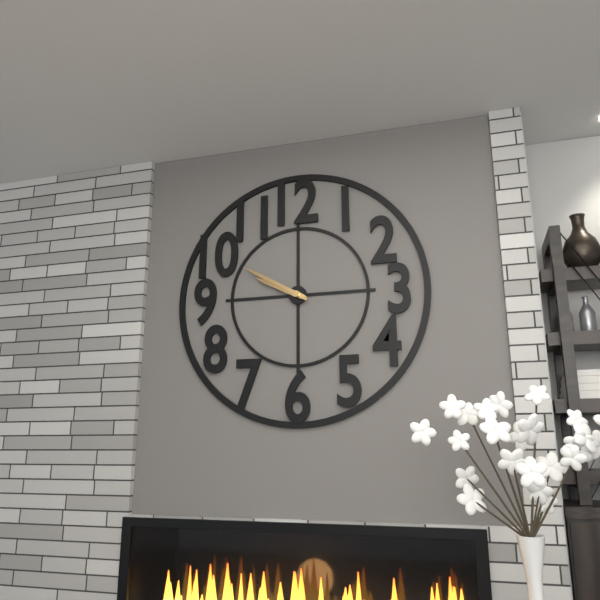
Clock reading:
**9:50**
